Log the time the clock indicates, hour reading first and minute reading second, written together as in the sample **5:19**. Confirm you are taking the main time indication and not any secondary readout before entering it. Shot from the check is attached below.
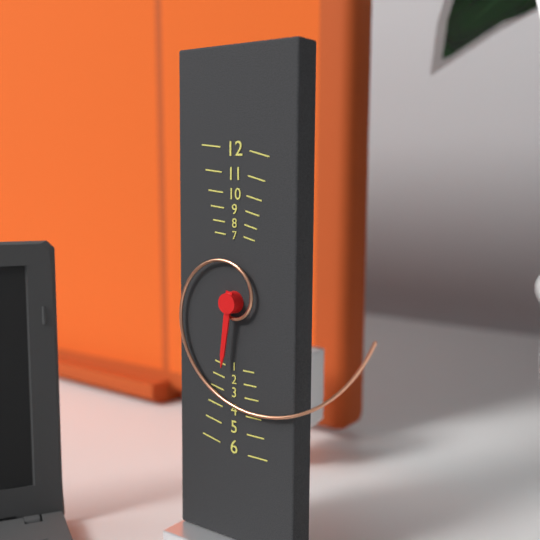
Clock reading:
**6:16**
